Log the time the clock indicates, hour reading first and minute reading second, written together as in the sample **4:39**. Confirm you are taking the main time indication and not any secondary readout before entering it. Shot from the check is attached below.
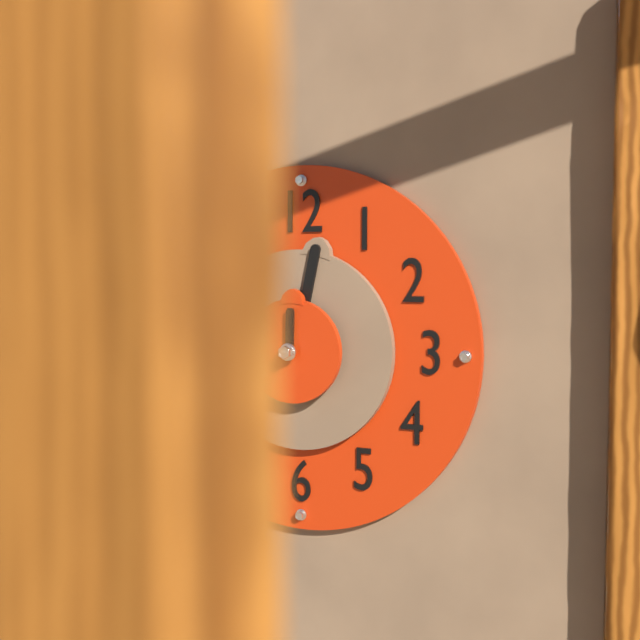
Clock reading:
**12:02**
